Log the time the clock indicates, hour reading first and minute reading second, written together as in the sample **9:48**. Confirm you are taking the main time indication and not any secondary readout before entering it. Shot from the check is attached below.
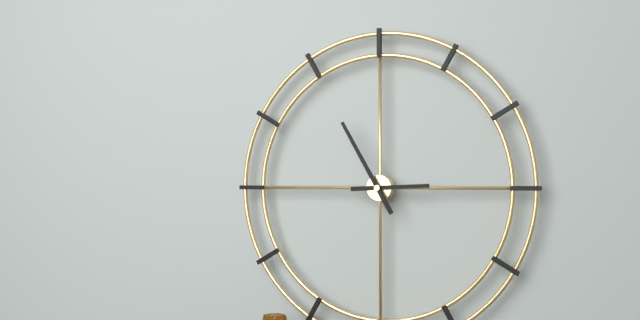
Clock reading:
**2:55**
